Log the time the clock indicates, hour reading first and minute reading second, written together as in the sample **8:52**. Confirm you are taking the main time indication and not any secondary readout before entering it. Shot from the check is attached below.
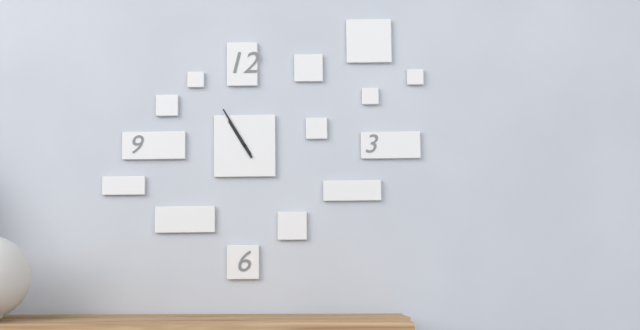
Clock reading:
**10:55**
